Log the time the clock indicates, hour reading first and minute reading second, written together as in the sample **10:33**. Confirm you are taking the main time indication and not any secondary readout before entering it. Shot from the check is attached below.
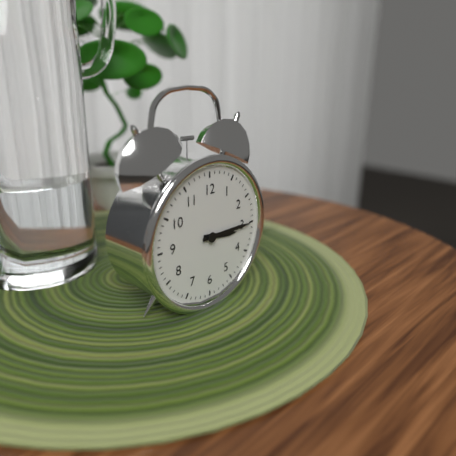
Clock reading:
**3:15**
